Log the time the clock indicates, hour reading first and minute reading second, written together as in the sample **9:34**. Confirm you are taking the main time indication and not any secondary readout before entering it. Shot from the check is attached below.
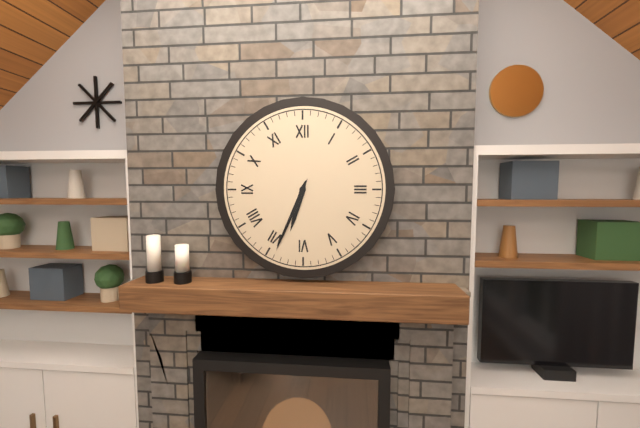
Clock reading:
**6:34**
